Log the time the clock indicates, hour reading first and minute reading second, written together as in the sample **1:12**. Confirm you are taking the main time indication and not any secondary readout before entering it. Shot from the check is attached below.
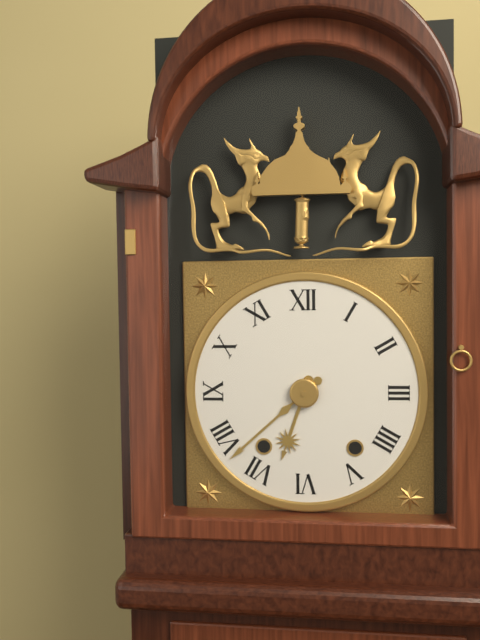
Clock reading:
**6:38**
